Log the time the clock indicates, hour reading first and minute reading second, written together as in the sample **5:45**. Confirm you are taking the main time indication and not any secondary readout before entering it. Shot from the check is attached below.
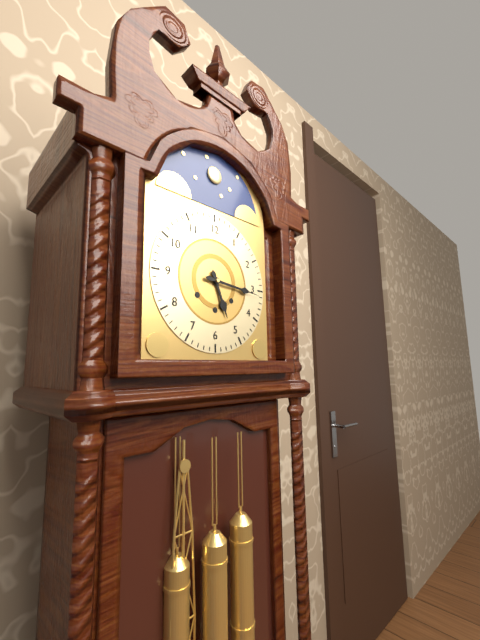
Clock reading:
**5:16**
